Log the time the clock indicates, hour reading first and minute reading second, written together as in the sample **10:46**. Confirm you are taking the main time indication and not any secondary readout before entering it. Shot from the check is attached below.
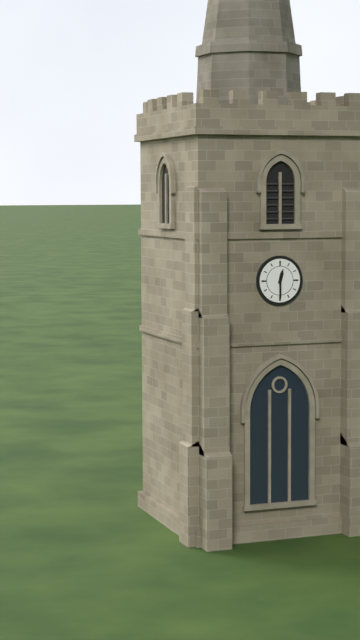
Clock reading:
**12:30**
